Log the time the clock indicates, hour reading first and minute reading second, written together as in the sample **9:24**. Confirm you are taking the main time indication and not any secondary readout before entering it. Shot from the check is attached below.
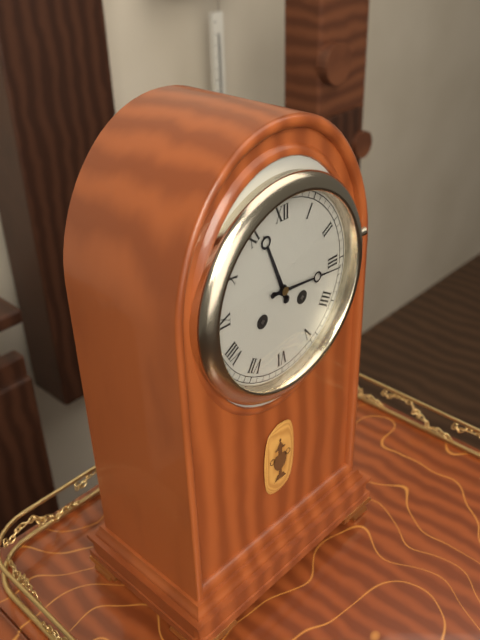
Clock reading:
**11:16**
